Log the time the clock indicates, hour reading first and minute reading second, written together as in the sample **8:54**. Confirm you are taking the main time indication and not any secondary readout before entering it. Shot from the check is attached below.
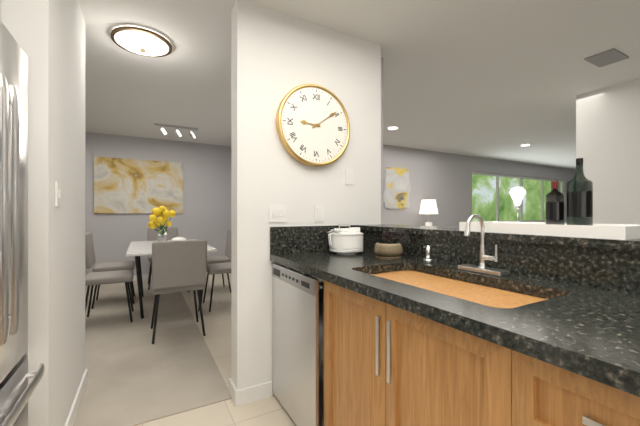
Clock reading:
**9:09**
